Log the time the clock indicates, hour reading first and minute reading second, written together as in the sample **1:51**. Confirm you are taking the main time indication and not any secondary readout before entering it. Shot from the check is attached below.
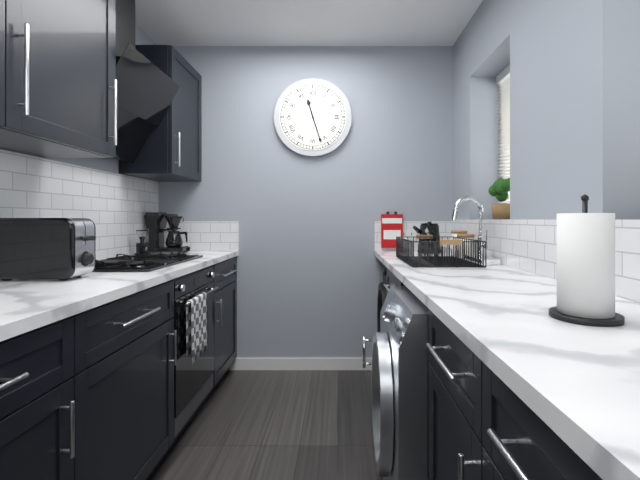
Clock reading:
**11:27**
